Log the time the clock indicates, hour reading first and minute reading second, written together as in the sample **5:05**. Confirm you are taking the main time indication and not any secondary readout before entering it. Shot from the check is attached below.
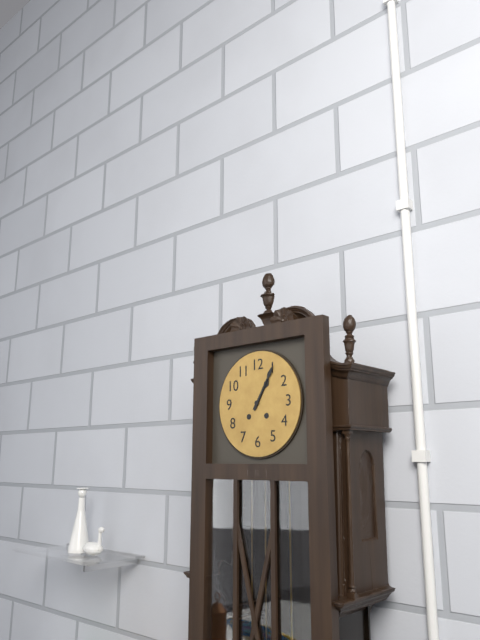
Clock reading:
**1:05**
